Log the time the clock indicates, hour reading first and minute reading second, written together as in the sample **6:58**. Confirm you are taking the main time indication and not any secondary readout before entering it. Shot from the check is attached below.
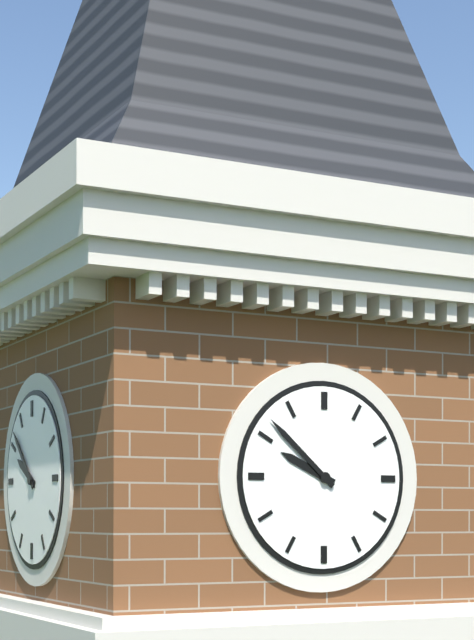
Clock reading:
**9:52**
